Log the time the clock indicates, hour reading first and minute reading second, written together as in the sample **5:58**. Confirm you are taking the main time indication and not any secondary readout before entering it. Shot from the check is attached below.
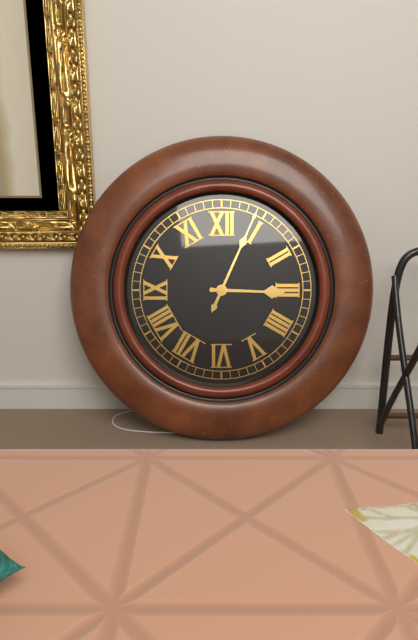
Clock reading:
**3:04**
